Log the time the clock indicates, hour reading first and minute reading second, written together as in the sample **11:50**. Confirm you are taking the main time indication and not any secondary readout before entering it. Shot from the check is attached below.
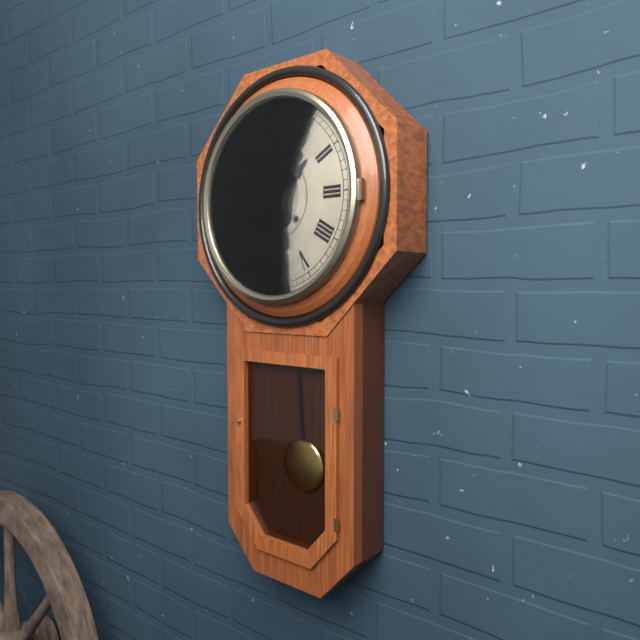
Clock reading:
**1:44**
